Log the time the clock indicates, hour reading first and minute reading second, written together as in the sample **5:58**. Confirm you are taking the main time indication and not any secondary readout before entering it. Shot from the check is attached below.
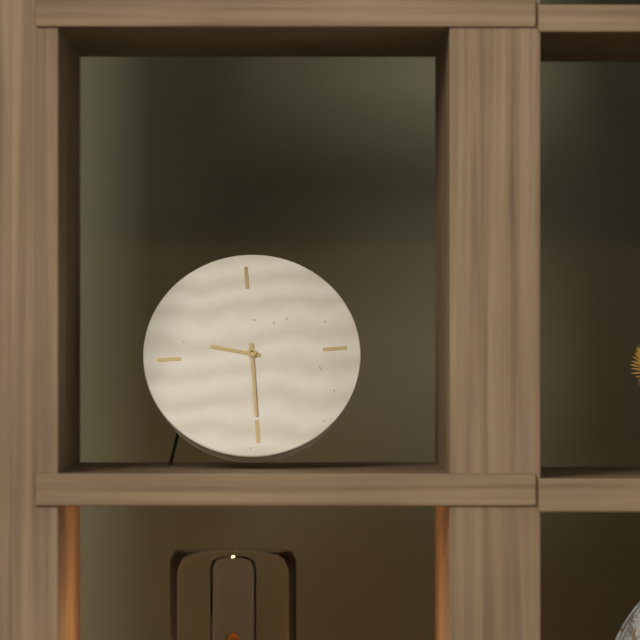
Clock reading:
**9:30**
